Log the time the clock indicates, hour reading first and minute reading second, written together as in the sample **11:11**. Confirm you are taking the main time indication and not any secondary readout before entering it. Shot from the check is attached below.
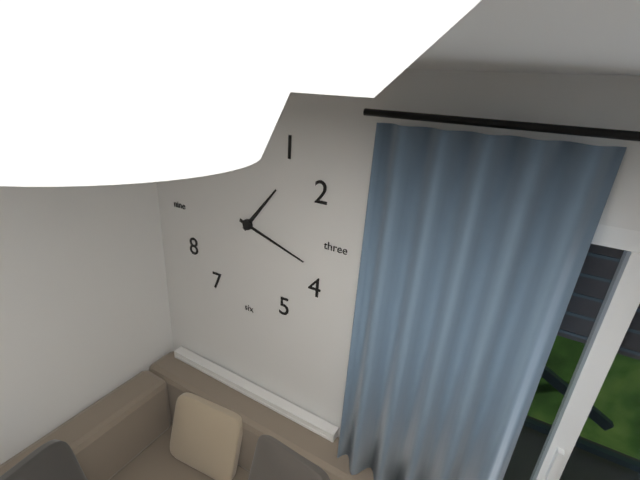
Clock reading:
**1:18**
